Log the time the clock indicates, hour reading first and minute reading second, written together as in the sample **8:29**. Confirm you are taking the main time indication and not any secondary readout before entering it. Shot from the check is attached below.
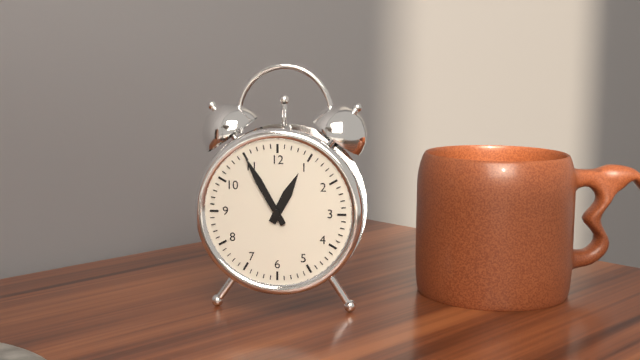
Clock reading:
**12:55**
